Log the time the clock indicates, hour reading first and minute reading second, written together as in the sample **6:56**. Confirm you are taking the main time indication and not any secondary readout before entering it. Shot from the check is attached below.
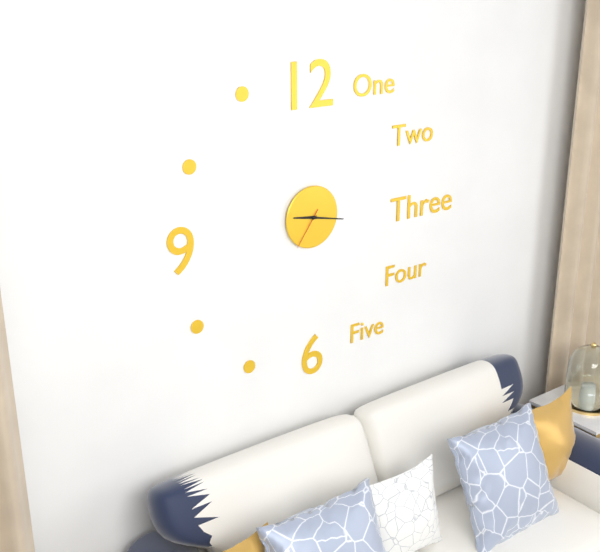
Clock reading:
**9:17**
